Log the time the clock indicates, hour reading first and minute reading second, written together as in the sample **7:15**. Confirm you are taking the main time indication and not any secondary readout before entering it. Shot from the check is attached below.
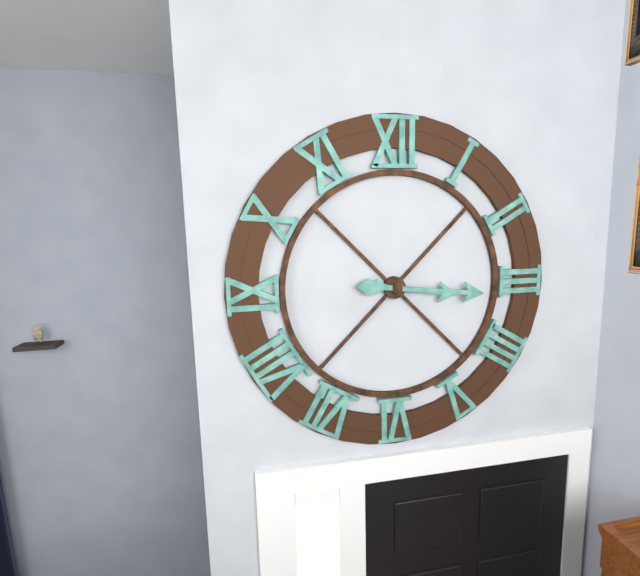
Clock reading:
**3:16**
